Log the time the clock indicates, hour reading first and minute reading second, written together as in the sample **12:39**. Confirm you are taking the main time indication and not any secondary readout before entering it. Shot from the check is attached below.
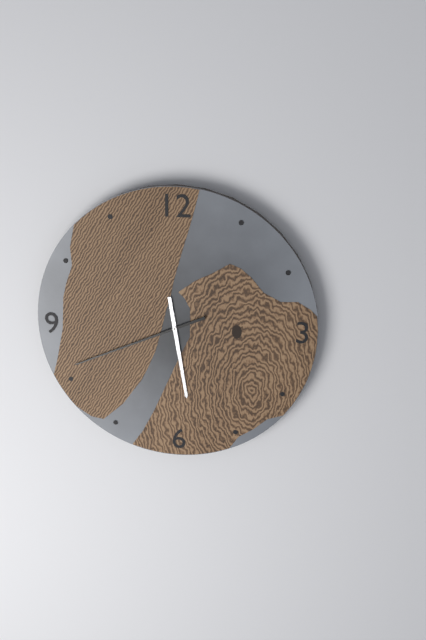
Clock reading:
**5:41**
